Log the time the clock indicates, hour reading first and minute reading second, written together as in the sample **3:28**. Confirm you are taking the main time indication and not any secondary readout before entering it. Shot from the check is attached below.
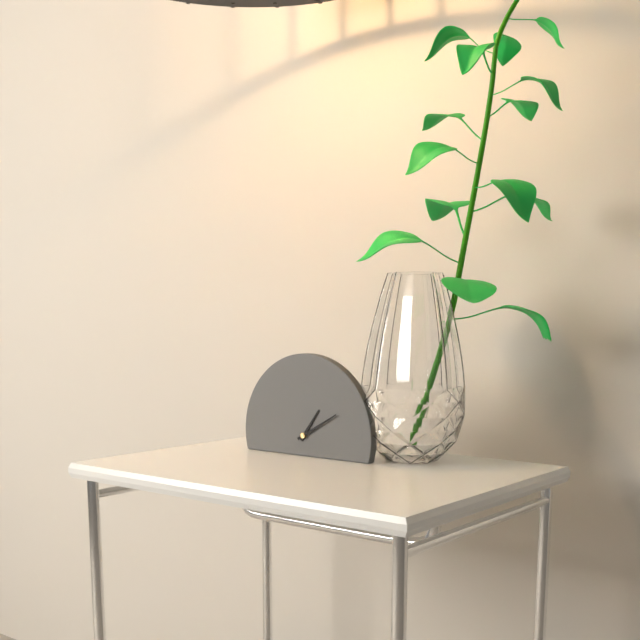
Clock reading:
**1:10**
